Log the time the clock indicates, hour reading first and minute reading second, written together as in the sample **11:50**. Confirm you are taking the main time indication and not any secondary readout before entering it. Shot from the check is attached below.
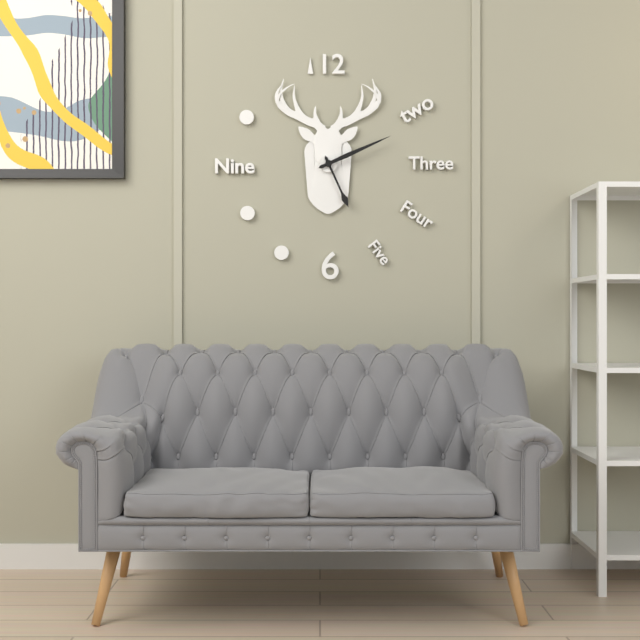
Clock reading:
**5:11**
